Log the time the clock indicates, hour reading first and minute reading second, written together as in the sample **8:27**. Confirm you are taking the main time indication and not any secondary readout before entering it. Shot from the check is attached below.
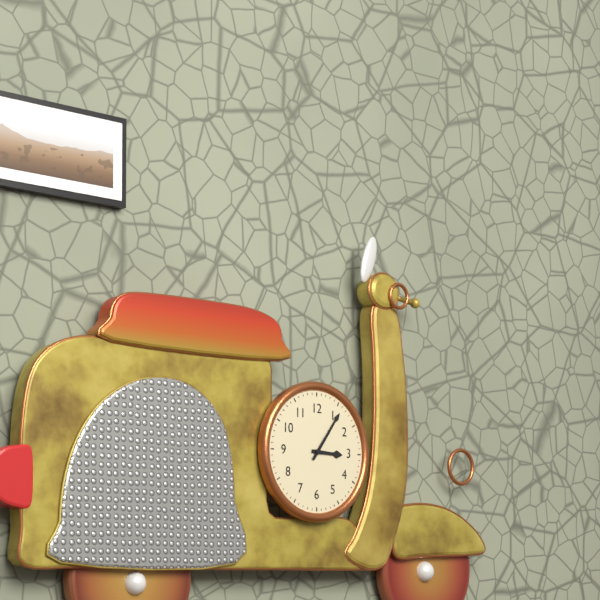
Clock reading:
**3:06**
